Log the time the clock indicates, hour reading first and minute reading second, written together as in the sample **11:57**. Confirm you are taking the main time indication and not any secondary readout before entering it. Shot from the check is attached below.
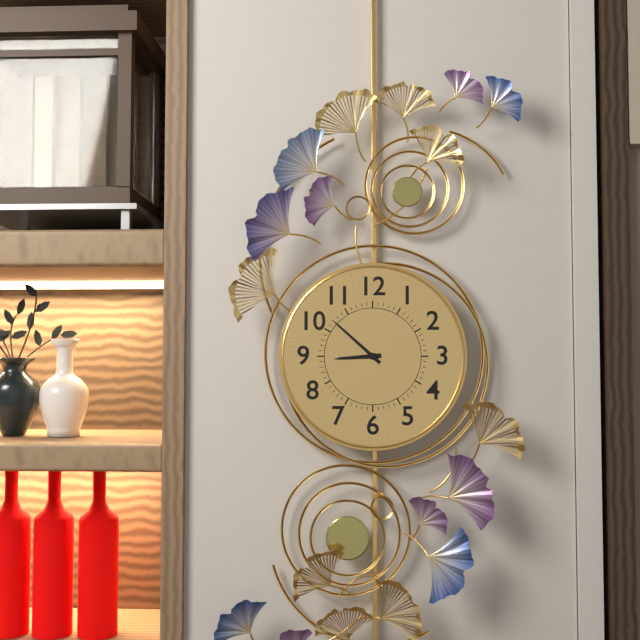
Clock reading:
**8:52**
